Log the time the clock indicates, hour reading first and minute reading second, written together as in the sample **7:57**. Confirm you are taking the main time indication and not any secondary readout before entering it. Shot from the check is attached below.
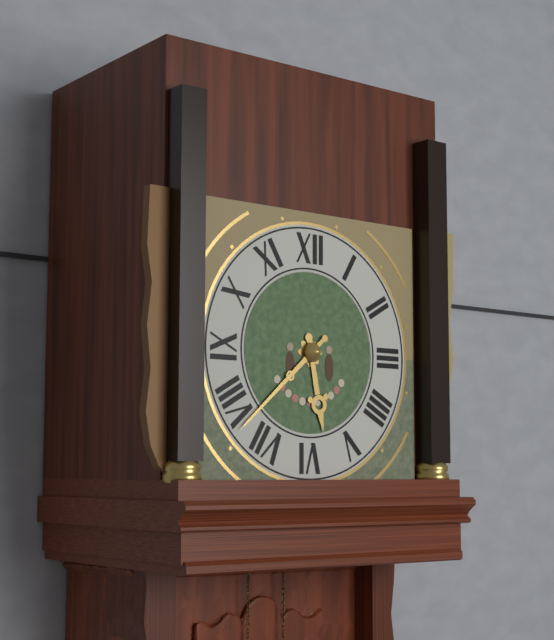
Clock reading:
**5:38**
